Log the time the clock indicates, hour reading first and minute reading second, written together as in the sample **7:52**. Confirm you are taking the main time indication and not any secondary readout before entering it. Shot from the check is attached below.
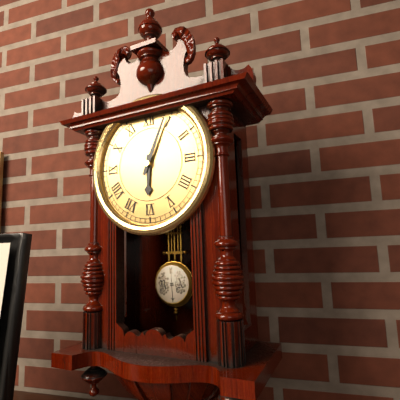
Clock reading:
**6:04**
